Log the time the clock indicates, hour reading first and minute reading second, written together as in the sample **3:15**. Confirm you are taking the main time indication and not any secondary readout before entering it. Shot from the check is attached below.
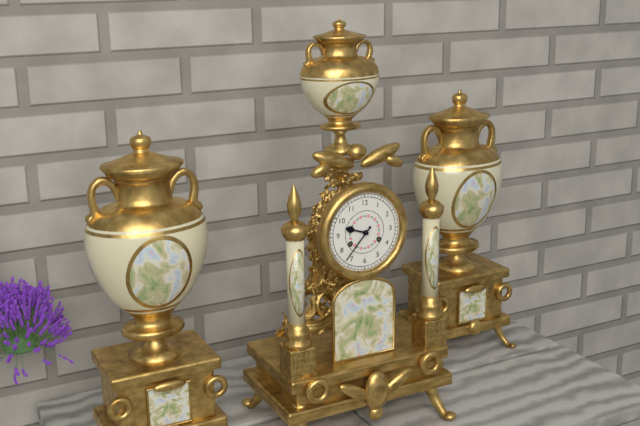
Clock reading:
**9:37**
